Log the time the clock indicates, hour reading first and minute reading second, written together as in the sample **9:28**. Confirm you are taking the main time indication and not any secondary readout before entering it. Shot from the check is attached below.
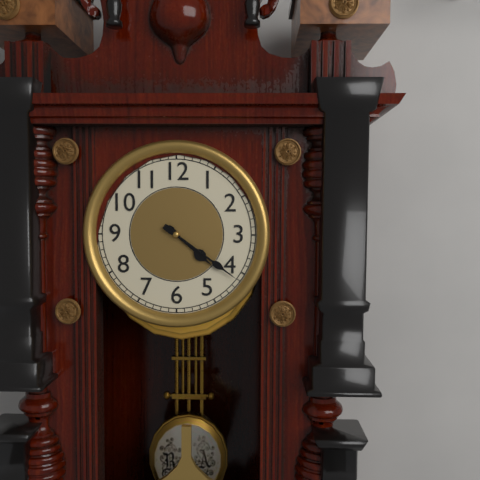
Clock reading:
**4:21**
